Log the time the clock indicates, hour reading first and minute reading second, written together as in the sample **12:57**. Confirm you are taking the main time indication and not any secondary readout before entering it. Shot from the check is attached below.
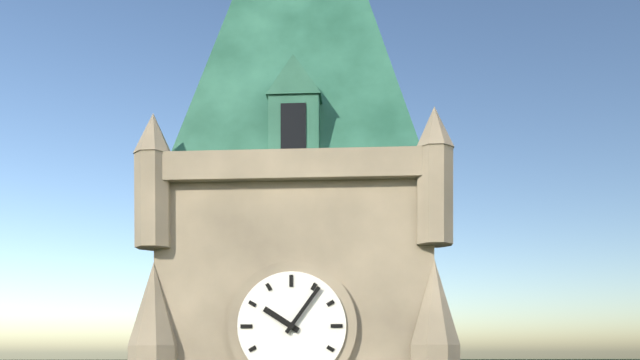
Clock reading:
**10:06**
